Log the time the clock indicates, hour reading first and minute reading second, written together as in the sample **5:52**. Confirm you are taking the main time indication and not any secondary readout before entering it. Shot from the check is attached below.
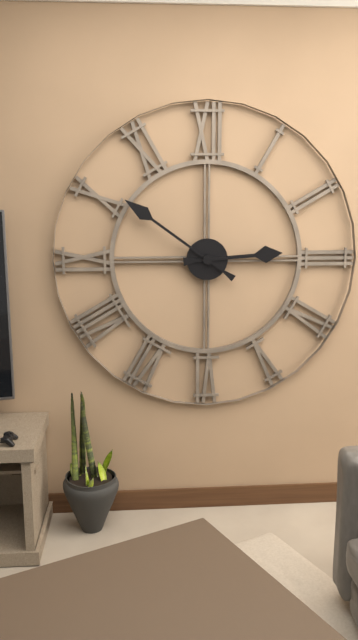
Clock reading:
**2:51**
